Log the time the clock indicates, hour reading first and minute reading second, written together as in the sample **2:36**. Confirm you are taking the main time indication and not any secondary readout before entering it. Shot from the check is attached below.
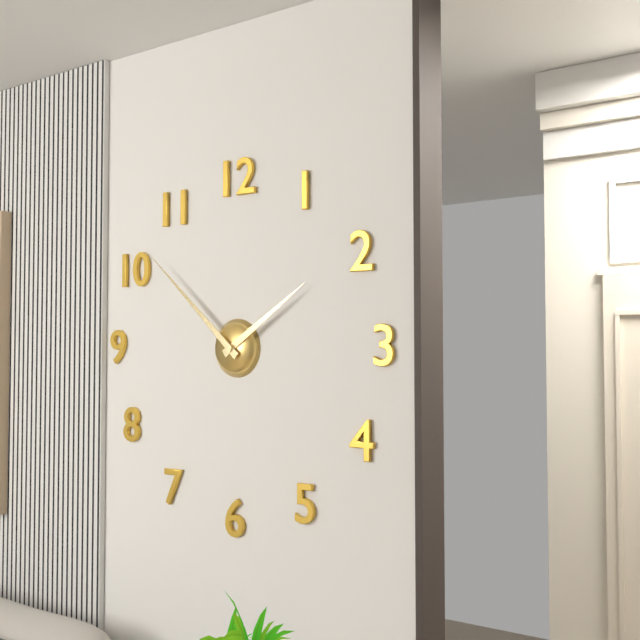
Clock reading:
**1:52**
